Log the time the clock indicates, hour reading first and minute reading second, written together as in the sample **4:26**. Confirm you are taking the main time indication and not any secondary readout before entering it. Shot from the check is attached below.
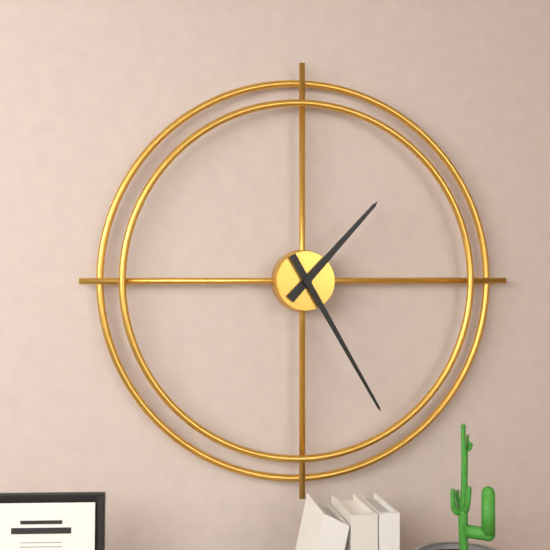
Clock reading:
**1:25**
